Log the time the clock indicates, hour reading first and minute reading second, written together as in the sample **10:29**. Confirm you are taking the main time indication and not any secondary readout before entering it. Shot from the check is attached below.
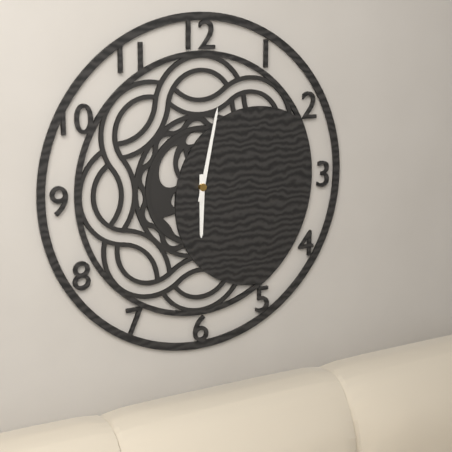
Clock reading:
**6:02**
